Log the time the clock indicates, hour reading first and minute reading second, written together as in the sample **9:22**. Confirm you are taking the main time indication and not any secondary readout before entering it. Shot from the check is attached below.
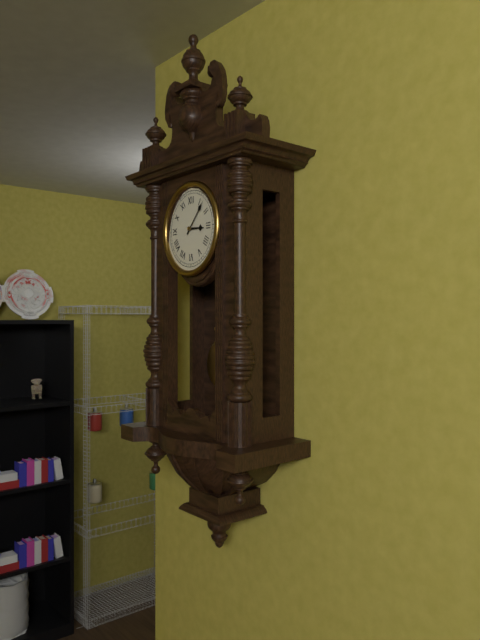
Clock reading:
**3:07**
